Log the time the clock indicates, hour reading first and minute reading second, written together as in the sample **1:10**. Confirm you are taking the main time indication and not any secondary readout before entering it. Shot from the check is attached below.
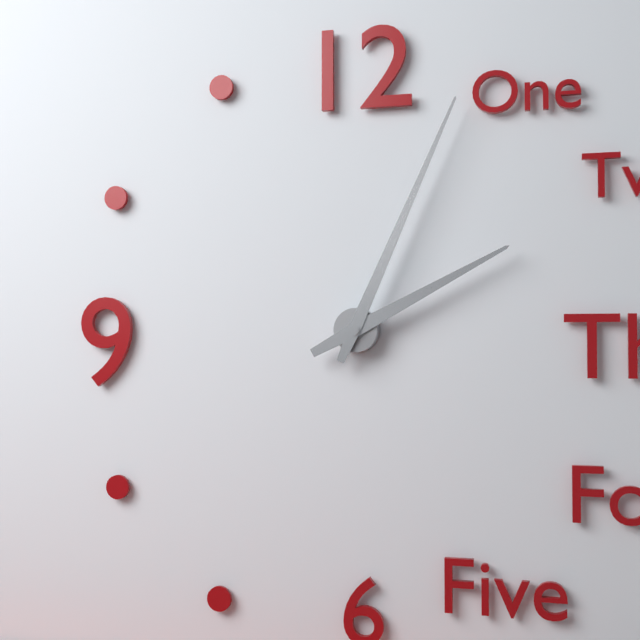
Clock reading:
**2:04**
